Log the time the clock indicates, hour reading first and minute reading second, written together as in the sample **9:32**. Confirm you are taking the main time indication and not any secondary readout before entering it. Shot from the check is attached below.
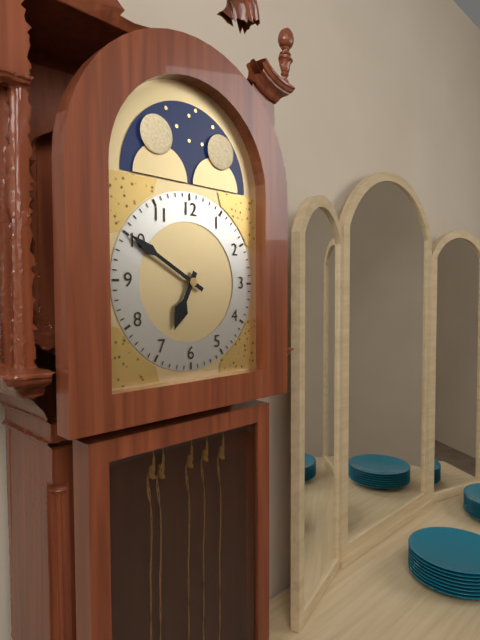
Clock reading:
**6:50**
